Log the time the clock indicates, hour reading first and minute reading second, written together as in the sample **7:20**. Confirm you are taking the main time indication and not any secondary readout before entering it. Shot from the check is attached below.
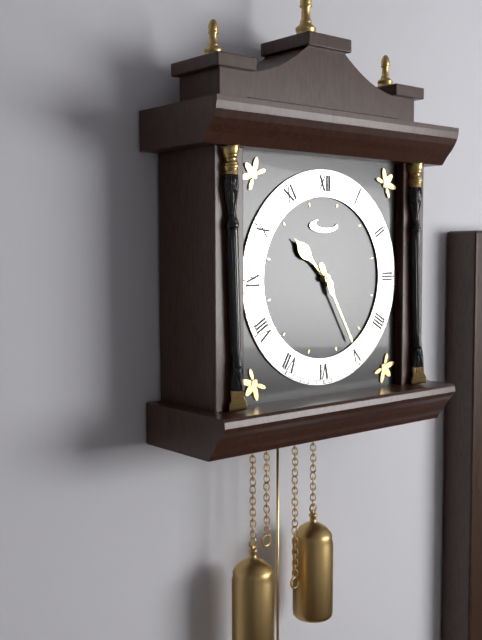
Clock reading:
**10:25**
